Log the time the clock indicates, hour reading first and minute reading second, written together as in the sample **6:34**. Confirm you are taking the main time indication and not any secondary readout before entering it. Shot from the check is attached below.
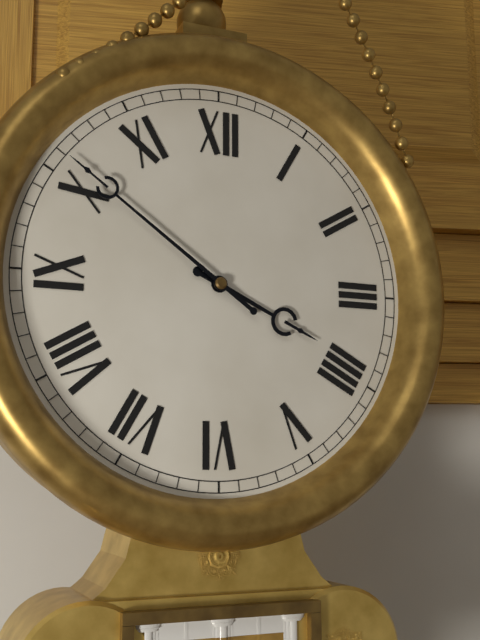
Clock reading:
**3:51**
